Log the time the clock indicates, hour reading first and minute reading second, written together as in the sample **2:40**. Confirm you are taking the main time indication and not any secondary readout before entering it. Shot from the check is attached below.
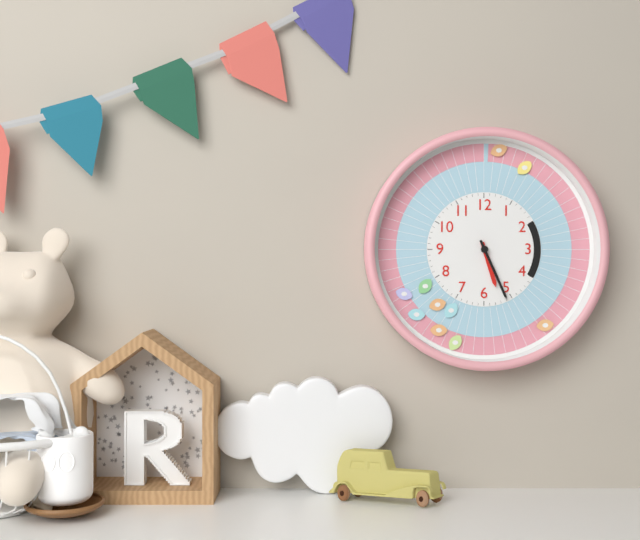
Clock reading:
**5:26**
